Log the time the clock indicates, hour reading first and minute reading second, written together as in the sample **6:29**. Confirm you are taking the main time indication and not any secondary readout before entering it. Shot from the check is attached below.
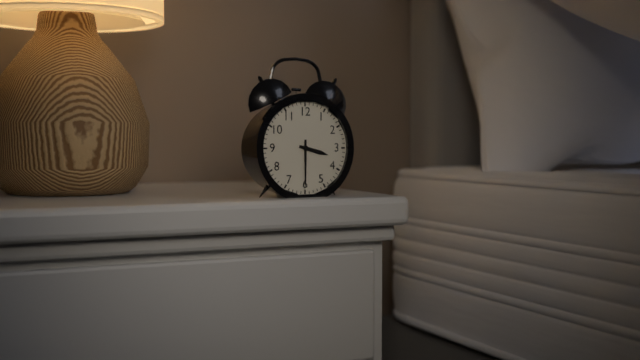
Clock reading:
**3:30**
